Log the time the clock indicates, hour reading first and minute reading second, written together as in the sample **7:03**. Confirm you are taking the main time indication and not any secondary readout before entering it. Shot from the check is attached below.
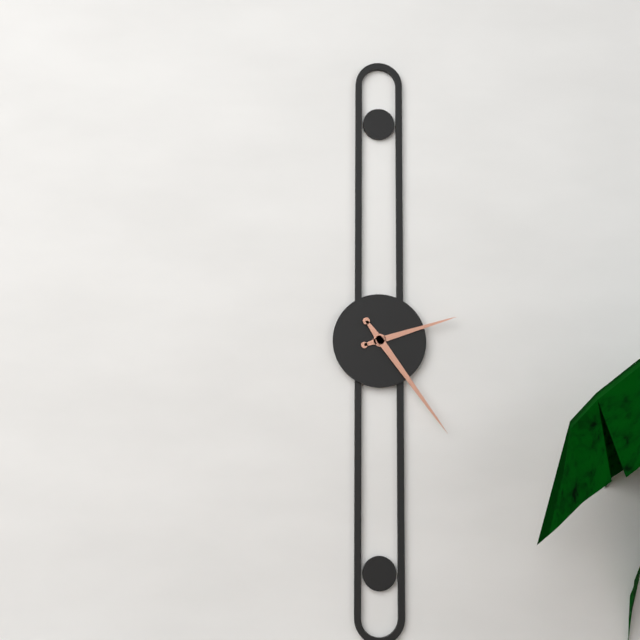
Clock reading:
**2:24**
